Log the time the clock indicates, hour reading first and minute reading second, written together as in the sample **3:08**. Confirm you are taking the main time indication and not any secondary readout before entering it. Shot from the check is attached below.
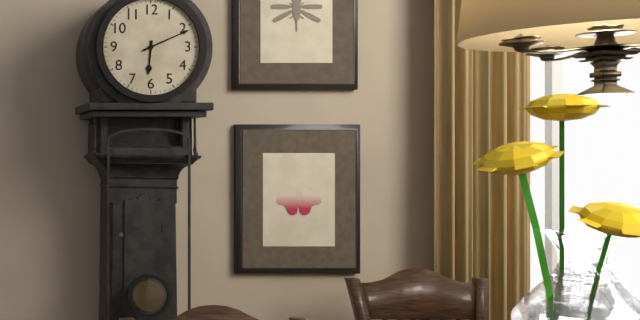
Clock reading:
**6:11**
